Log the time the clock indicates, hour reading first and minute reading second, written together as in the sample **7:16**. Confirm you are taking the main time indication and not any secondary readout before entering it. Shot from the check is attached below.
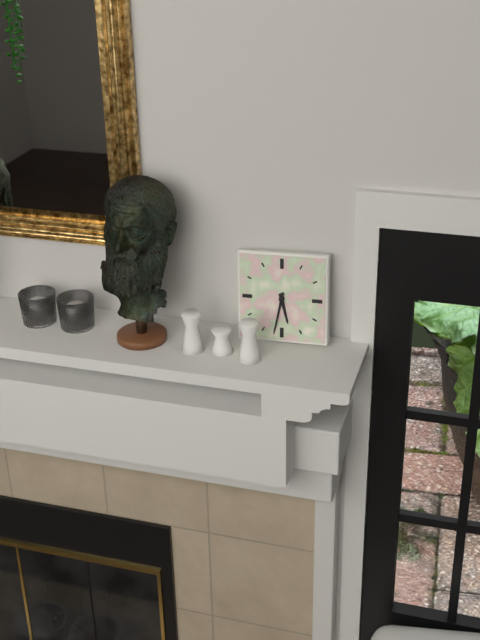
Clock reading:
**5:32**
